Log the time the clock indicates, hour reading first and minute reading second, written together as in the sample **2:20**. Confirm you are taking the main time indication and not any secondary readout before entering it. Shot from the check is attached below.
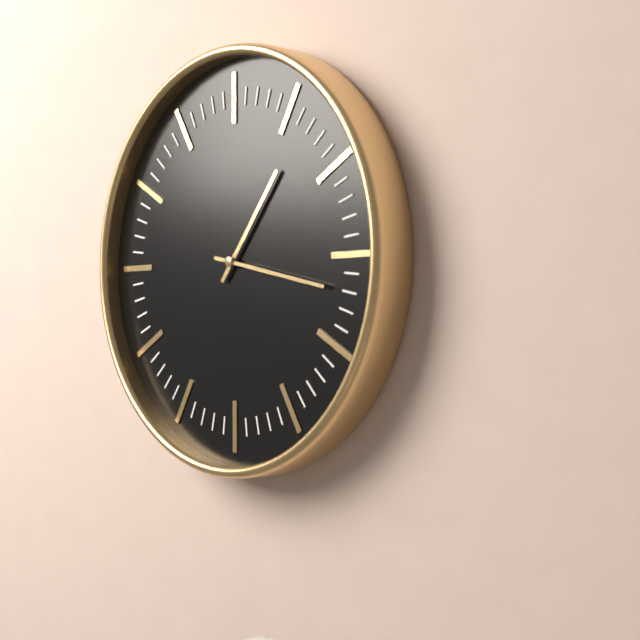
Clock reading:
**1:17**
